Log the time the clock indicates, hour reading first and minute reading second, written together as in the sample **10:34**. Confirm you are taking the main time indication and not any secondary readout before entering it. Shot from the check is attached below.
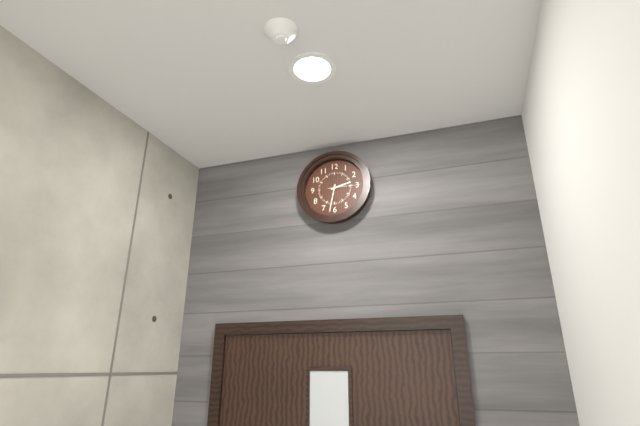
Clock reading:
**2:32**
